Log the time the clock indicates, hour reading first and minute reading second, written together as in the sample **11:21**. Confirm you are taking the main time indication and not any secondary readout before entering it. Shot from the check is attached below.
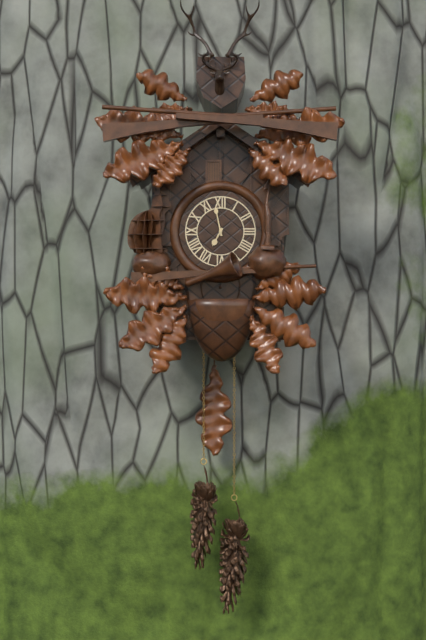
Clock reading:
**6:58**
